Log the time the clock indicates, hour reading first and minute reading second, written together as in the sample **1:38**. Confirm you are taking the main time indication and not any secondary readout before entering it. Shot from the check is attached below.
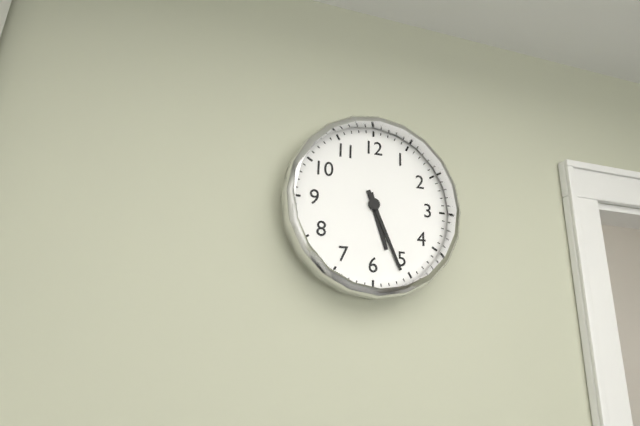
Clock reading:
**5:26**
